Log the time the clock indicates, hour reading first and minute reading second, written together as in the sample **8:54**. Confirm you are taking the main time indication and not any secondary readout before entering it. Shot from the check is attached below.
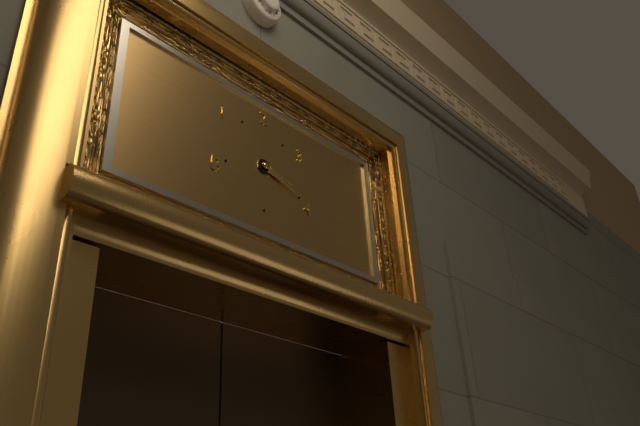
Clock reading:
**3:18**
